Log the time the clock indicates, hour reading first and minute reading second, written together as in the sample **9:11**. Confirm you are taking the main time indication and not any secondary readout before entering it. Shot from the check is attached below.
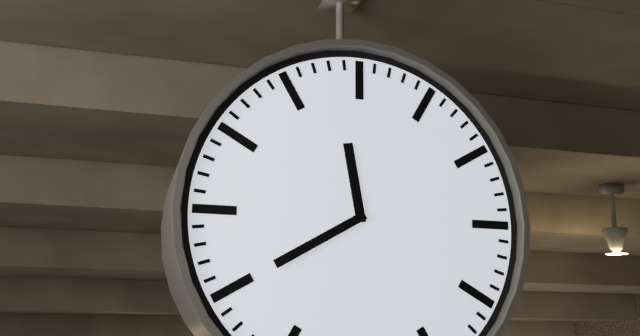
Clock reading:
**11:40**
